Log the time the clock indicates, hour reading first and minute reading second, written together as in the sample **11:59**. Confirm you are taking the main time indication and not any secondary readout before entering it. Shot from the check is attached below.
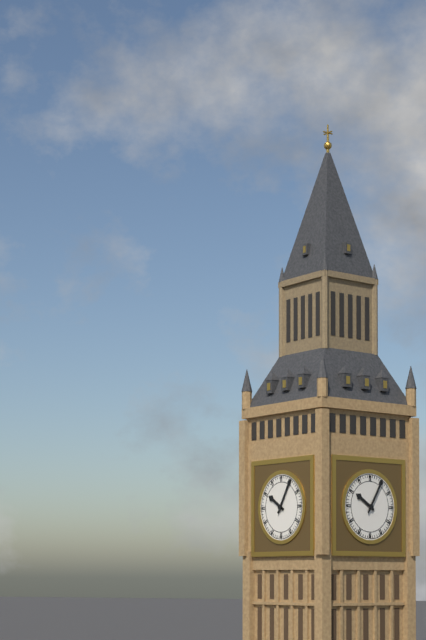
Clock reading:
**10:05**
